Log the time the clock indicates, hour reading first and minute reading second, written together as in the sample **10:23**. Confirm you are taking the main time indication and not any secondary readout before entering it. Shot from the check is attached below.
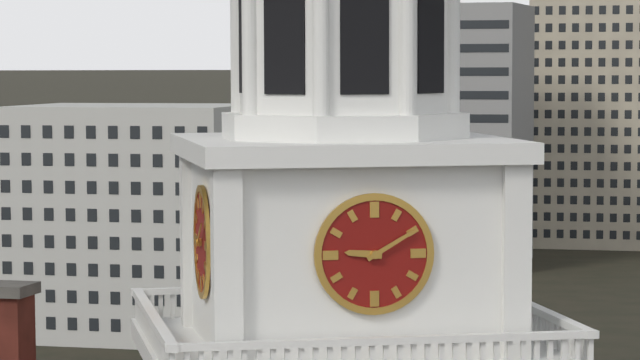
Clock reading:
**9:10**
